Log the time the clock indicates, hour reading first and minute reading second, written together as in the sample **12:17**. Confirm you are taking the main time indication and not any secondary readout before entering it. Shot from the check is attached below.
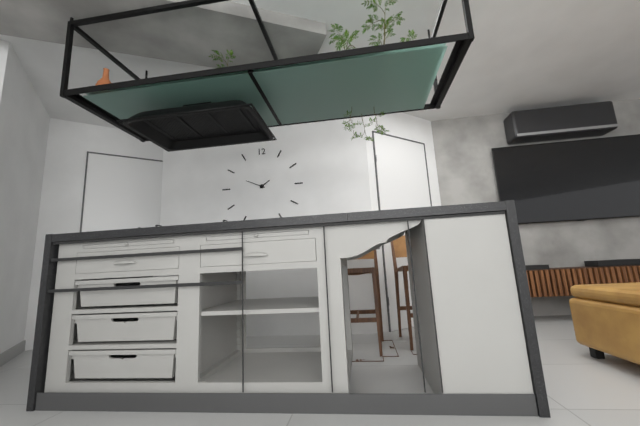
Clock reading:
**1:49**
